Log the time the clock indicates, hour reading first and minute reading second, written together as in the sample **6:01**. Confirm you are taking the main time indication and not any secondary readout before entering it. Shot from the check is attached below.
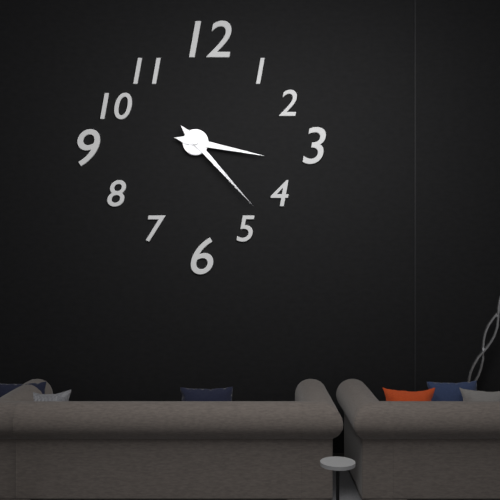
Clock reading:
**3:23**
